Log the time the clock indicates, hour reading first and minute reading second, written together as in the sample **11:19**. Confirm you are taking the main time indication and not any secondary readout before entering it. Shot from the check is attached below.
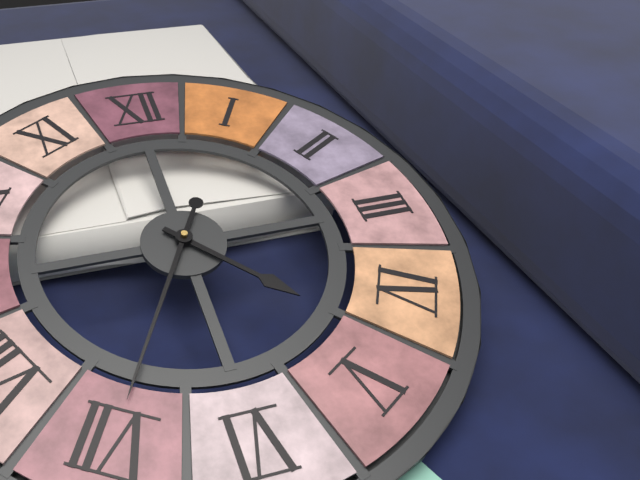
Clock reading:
**4:35**
